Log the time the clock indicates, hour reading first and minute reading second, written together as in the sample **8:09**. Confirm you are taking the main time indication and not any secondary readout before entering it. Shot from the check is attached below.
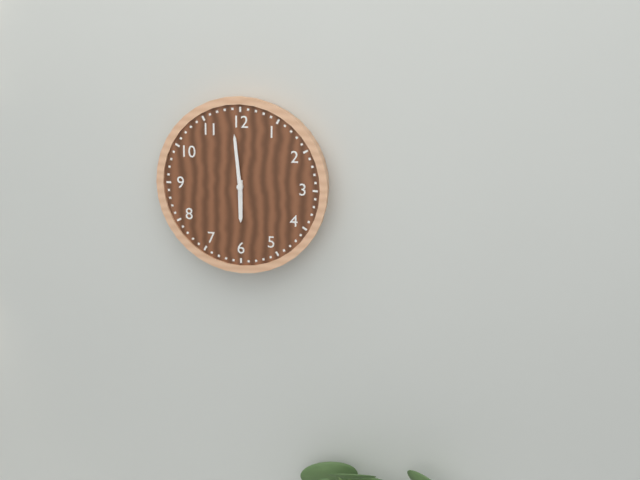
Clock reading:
**5:59**
